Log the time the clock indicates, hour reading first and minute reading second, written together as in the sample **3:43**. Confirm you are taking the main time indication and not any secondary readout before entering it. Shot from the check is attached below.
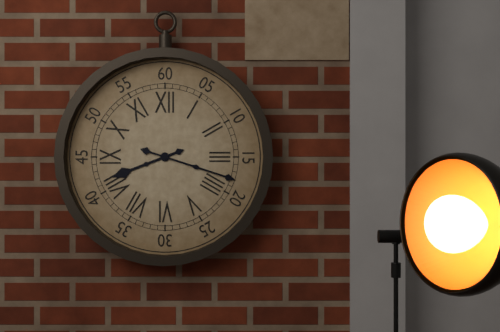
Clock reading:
**8:18**
